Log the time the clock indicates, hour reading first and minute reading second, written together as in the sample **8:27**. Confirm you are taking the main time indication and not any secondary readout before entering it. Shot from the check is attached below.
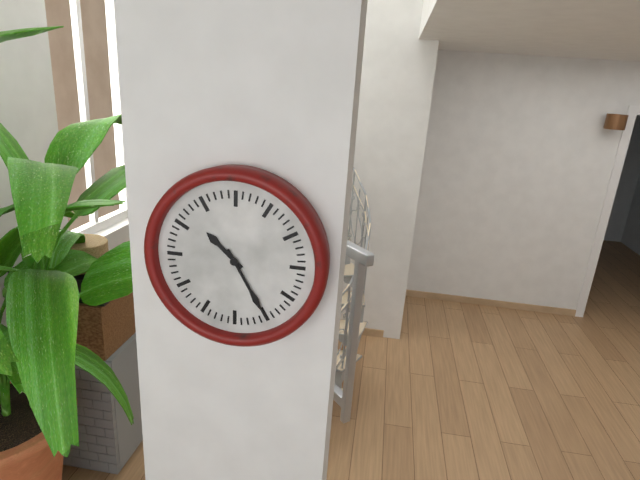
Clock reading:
**10:25**
